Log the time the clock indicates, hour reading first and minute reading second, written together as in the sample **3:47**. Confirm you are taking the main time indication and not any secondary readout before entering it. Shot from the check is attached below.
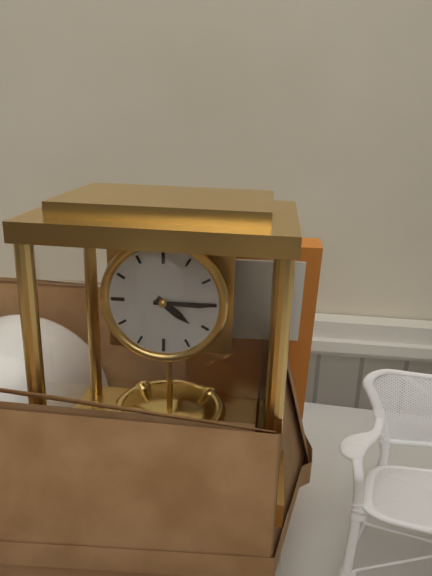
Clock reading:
**4:15**
